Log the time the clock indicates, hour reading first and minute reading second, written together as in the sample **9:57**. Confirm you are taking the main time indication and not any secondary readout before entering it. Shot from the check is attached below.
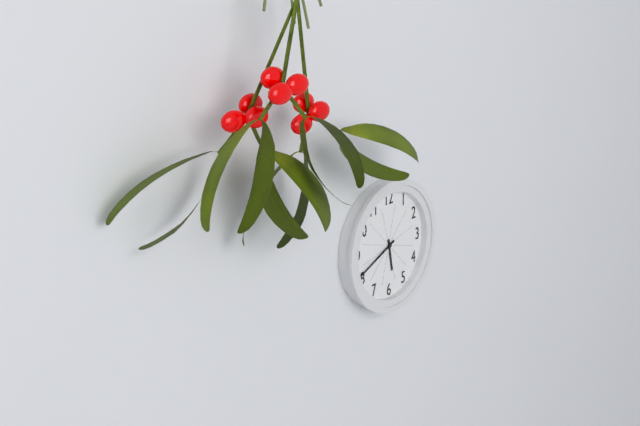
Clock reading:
**5:41**
